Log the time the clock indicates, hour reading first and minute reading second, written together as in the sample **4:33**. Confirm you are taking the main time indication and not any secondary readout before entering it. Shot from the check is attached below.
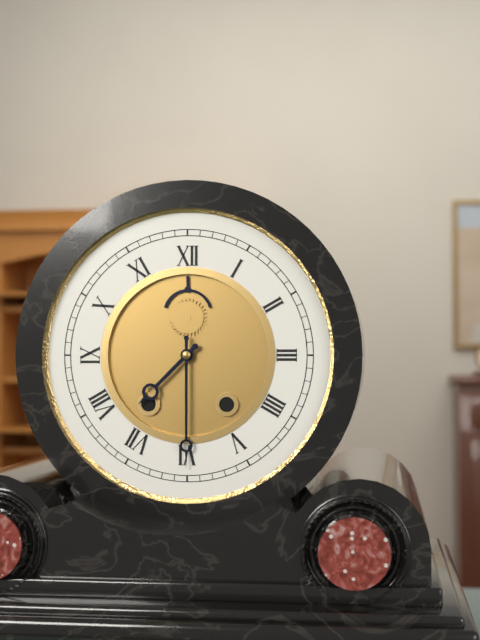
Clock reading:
**7:30**
